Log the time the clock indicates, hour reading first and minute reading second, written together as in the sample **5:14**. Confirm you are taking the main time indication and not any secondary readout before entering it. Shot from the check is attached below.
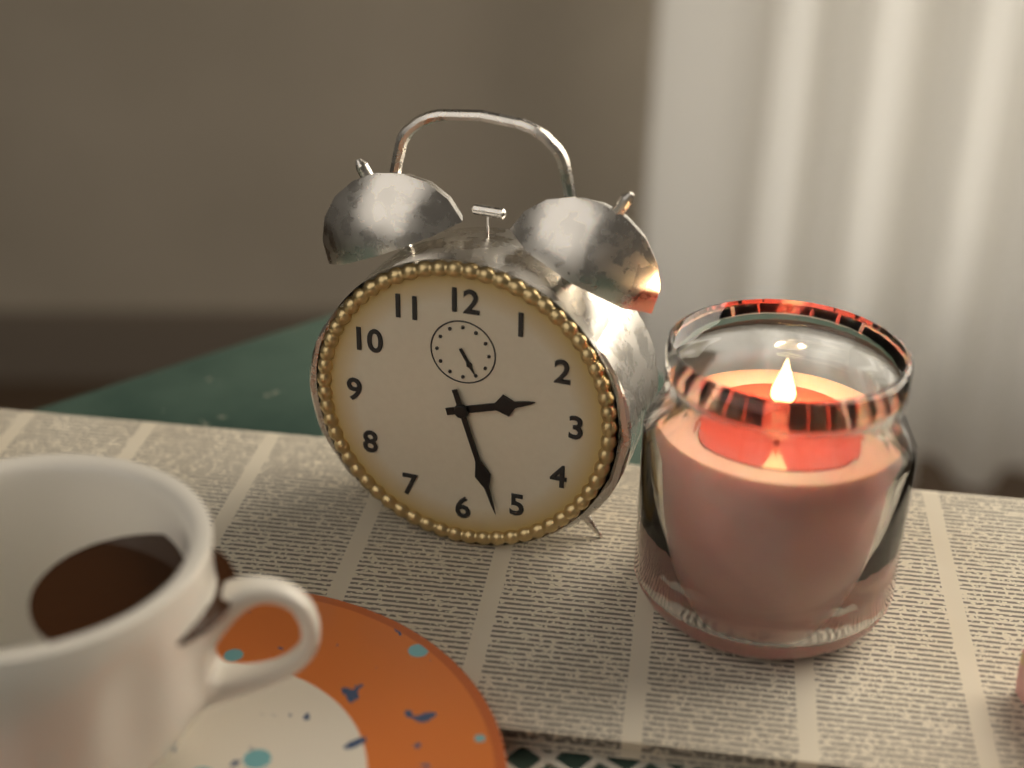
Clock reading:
**2:27**
